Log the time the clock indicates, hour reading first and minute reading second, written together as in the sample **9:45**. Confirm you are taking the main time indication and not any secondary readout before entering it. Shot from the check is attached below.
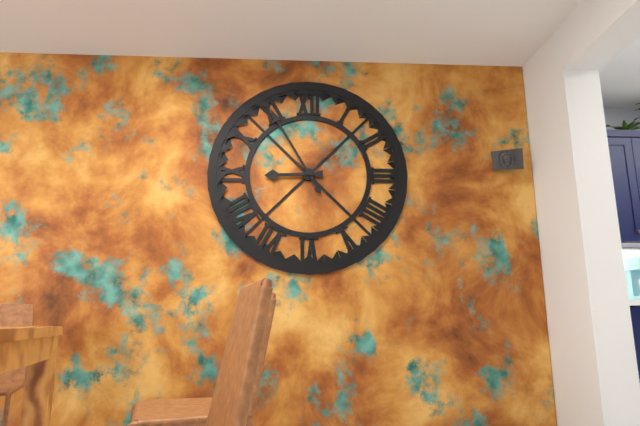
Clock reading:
**8:55**
